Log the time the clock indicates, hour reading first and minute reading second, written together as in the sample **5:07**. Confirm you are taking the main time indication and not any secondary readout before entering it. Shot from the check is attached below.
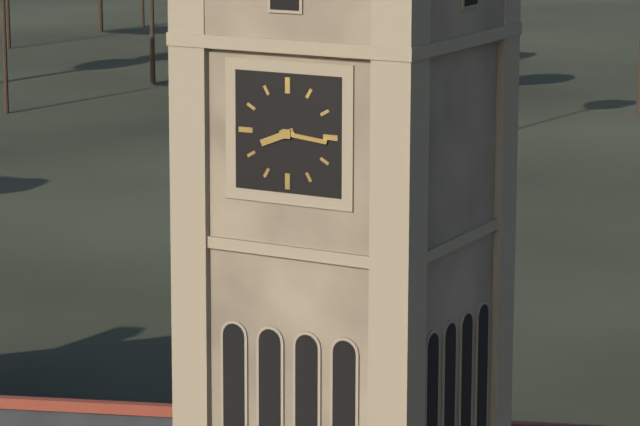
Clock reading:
**8:16**
